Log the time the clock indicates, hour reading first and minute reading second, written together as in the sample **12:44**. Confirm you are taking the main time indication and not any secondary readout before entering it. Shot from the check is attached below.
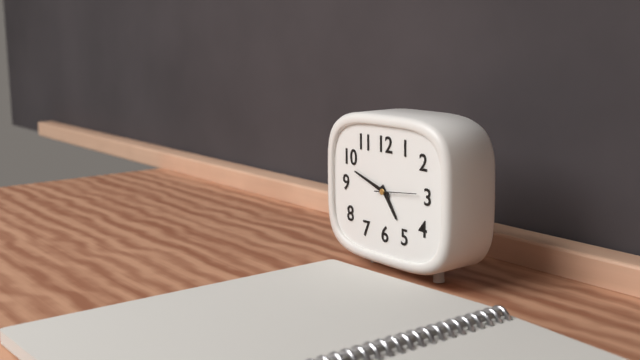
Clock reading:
**4:48**
